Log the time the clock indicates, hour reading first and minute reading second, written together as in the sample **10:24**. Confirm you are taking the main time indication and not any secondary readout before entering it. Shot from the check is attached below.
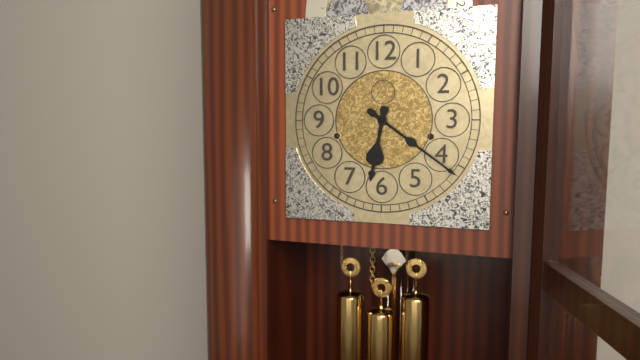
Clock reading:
**6:21**
